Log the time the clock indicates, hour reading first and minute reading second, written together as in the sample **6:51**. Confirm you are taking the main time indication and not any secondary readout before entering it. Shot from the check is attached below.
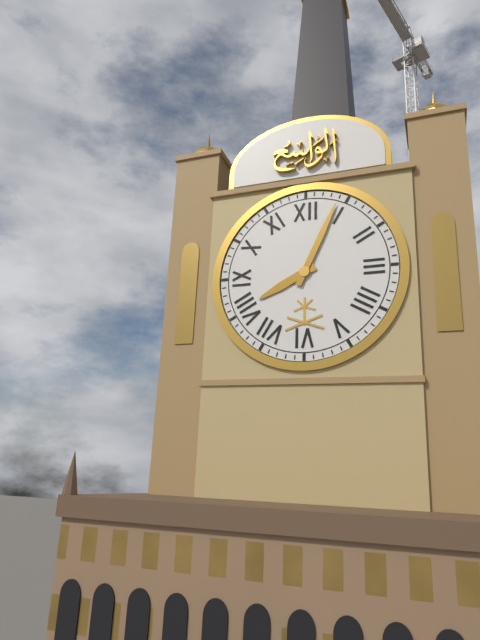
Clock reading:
**8:04**
